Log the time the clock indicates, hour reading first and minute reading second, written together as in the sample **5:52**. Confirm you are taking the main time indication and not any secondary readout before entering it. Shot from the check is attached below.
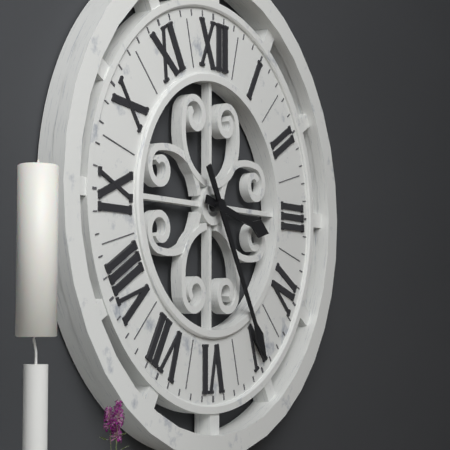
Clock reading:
**3:25**
